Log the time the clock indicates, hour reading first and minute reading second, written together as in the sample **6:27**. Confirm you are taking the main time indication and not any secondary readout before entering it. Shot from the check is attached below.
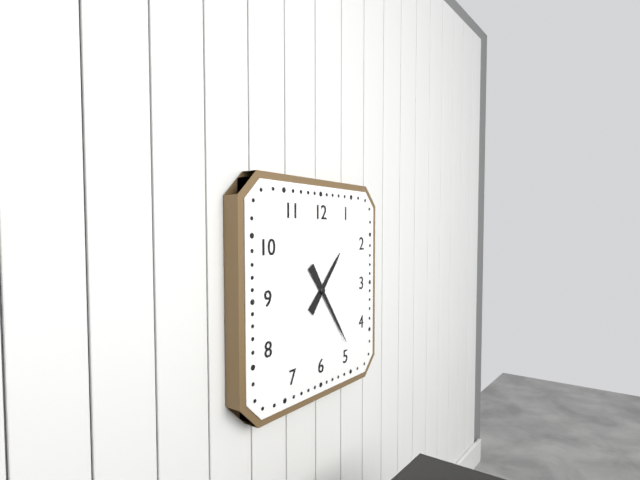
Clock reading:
**1:24**
